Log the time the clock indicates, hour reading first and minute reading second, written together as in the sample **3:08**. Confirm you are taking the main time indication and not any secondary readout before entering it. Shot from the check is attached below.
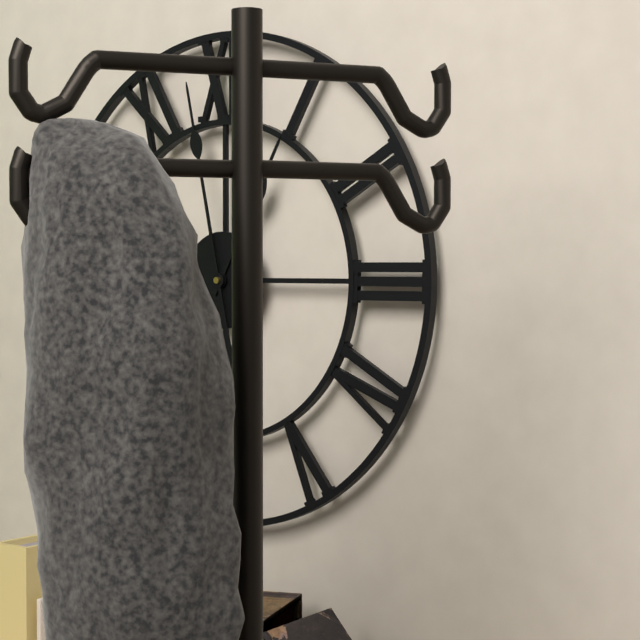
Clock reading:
**12:58**
